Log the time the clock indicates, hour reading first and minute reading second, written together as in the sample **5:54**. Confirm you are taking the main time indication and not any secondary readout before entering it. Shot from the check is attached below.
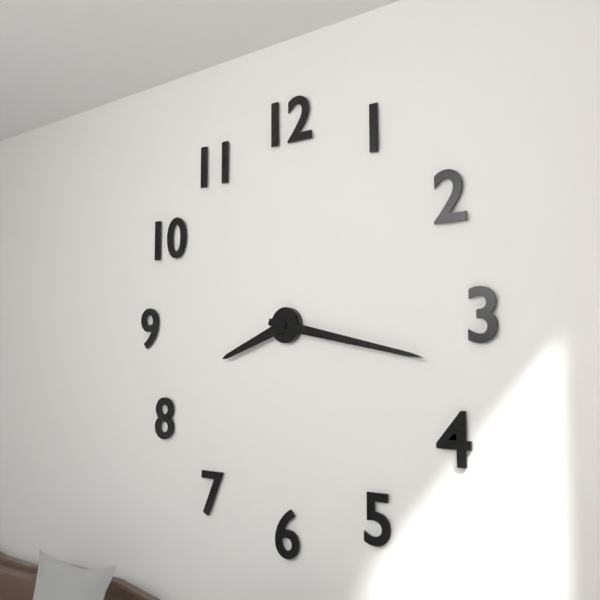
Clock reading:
**8:17**
